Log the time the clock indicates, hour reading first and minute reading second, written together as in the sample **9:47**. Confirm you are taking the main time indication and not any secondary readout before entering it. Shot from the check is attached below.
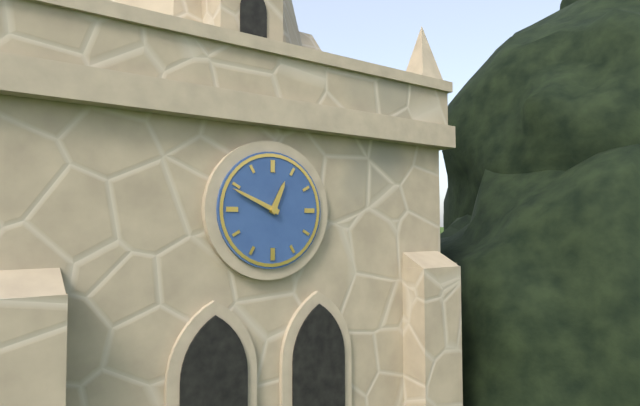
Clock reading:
**12:49**
